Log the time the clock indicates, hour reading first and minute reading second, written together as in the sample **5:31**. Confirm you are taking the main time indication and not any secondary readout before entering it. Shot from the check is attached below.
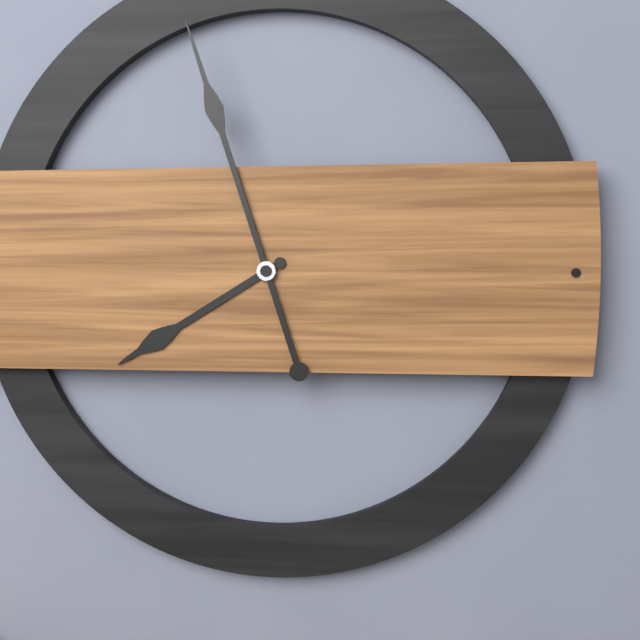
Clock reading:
**7:57**
